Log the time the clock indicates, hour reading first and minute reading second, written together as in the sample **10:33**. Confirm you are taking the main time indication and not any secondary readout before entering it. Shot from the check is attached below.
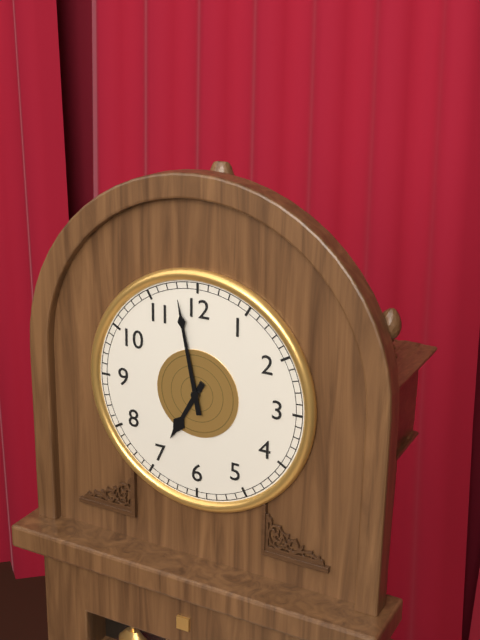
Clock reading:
**6:58**
